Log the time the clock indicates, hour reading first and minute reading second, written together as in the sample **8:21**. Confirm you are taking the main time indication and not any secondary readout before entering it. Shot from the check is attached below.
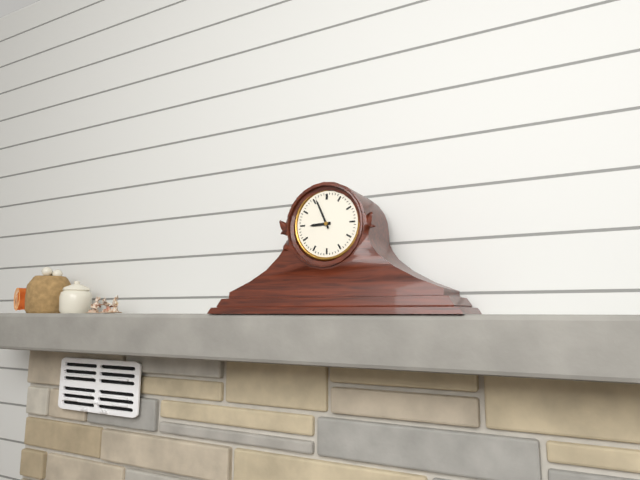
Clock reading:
**8:56**
